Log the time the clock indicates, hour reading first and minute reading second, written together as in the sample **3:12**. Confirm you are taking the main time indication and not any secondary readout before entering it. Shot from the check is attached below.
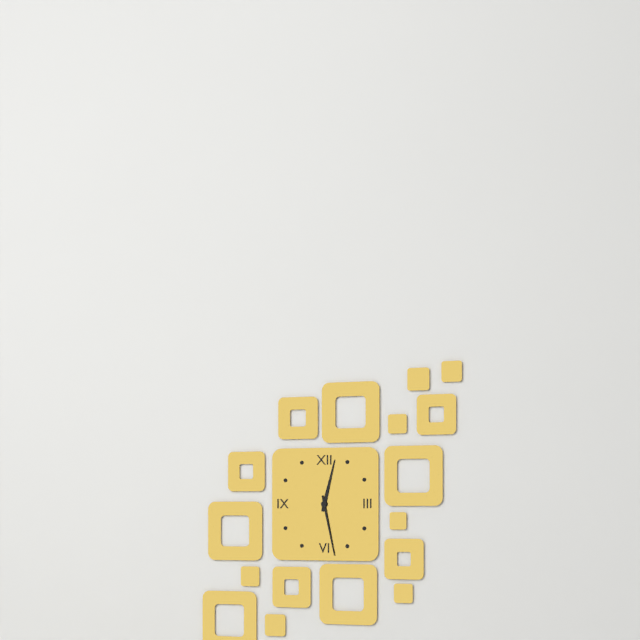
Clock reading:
**12:28**
